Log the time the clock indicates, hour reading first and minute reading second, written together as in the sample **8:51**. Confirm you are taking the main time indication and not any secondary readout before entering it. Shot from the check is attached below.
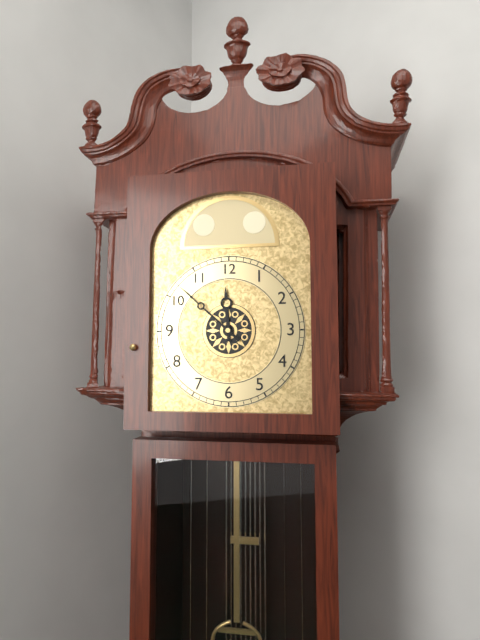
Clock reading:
**11:52**
